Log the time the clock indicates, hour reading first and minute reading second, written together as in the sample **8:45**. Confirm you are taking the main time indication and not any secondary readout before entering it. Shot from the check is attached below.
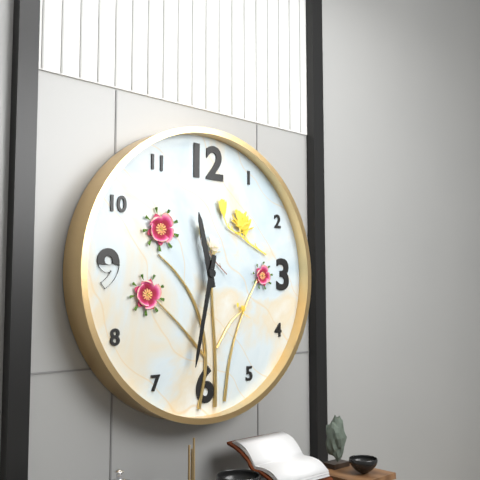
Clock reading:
**11:32**
